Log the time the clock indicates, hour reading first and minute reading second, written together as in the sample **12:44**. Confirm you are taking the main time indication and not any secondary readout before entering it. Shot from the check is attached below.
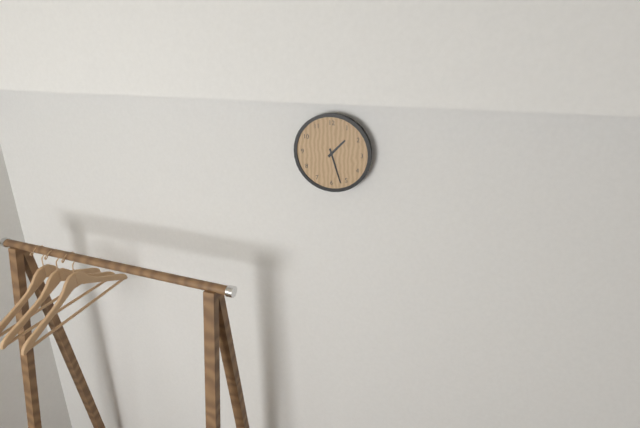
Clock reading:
**1:27**
